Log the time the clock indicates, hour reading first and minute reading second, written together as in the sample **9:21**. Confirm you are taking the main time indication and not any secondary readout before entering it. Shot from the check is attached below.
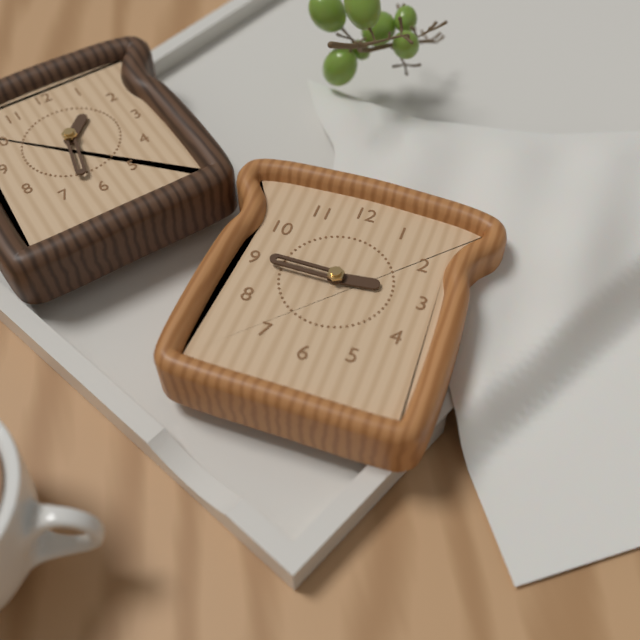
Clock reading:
**2:45**
